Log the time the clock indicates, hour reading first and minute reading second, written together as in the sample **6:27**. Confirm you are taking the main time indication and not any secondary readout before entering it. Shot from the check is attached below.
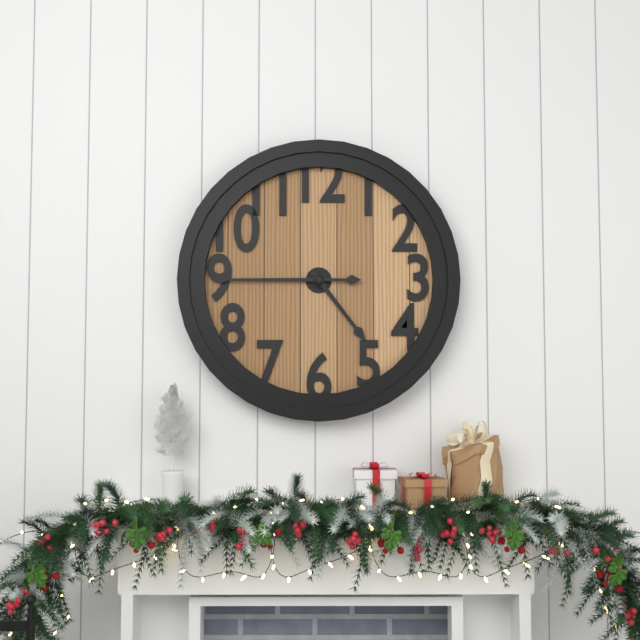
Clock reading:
**4:45**
